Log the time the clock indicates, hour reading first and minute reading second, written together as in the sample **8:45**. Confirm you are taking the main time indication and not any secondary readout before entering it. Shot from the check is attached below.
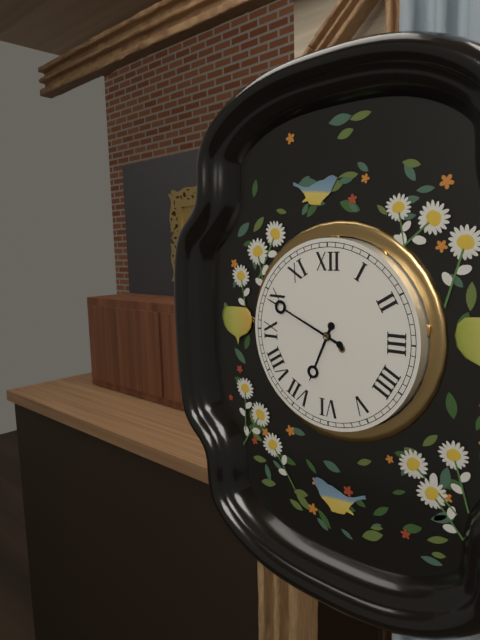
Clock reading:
**6:49**
